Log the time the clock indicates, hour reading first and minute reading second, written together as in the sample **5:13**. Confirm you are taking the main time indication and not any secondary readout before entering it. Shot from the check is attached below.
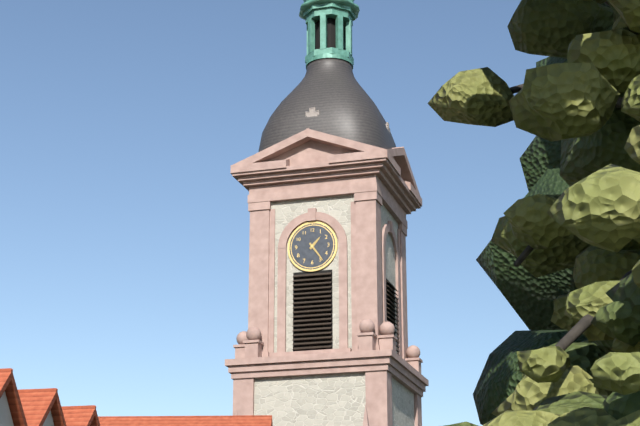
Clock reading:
**1:24**
